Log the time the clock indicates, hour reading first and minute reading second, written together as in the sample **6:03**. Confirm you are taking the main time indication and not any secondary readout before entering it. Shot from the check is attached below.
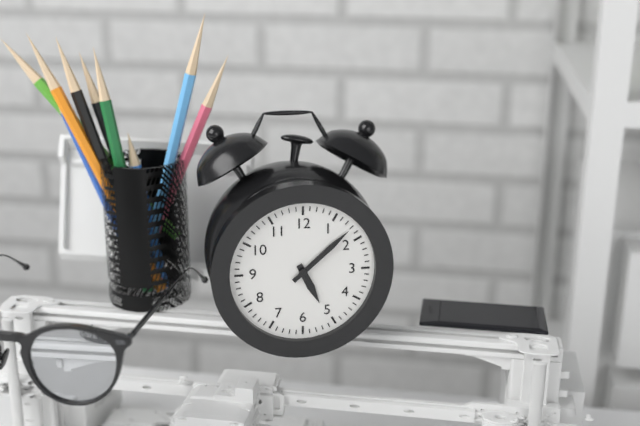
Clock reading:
**5:08**
